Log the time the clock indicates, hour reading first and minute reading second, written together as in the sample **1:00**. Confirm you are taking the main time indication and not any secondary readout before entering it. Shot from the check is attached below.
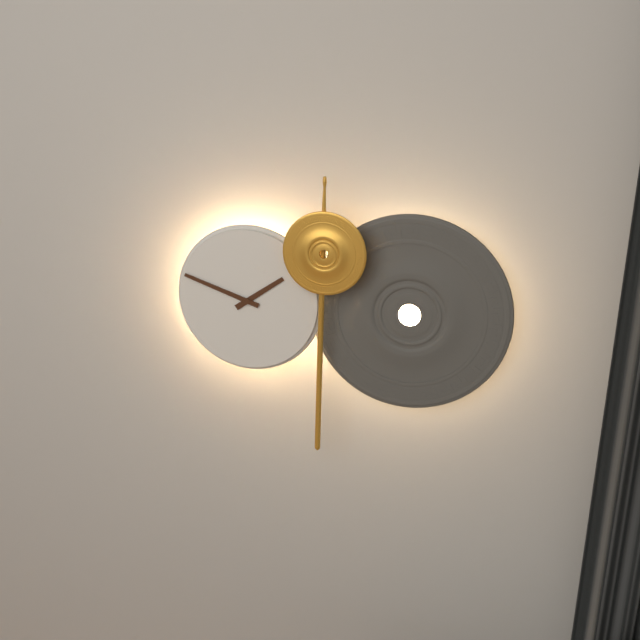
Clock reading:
**1:48**
